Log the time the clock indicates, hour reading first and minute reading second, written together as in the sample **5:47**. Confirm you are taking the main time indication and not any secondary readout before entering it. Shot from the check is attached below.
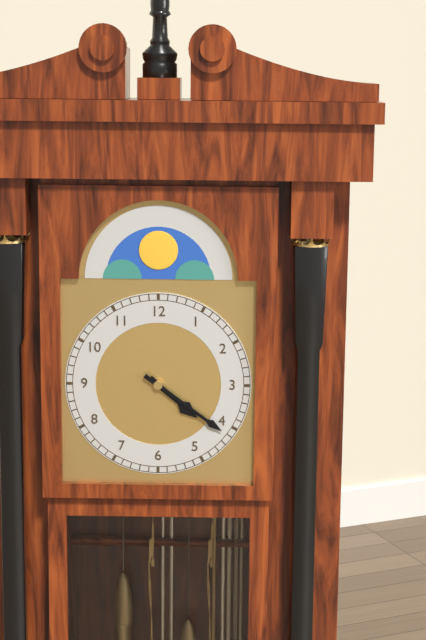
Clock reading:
**4:21**
